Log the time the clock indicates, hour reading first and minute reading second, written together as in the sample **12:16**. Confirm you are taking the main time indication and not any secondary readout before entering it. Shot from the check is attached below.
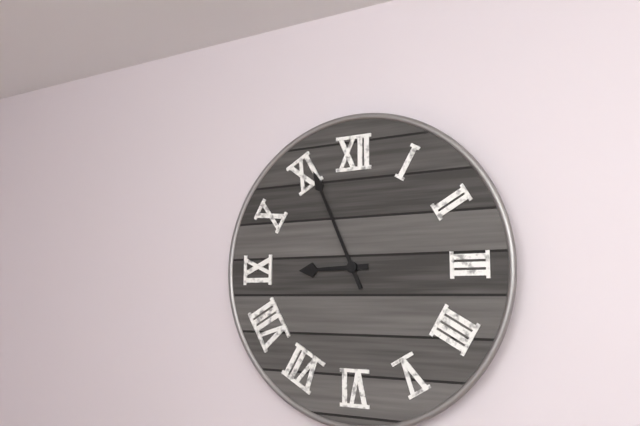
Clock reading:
**8:56**
